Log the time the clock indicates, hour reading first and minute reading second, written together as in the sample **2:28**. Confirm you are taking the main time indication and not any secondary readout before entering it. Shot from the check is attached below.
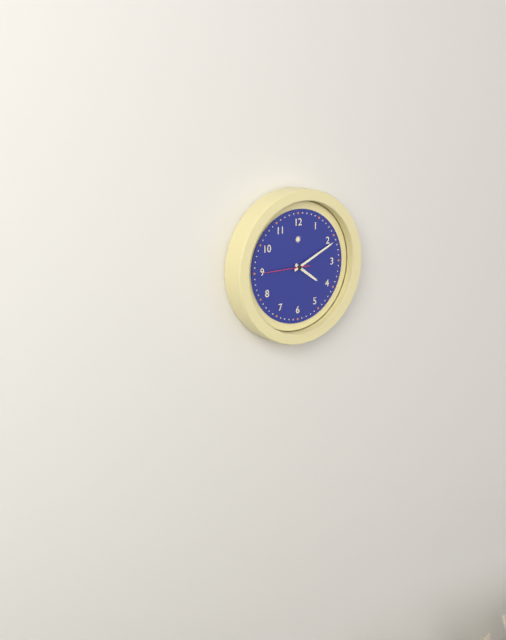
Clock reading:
**4:11**
